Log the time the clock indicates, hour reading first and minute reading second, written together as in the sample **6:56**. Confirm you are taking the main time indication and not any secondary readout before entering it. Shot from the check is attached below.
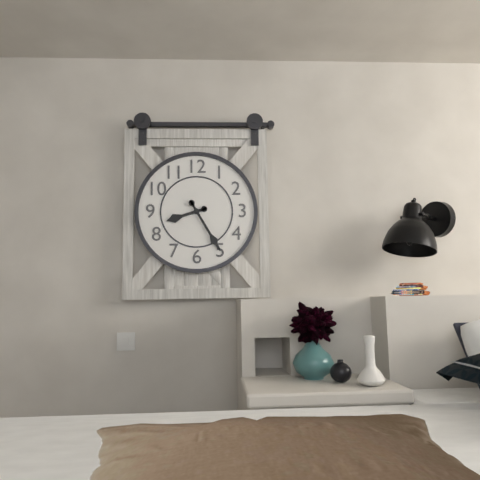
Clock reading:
**8:25**
